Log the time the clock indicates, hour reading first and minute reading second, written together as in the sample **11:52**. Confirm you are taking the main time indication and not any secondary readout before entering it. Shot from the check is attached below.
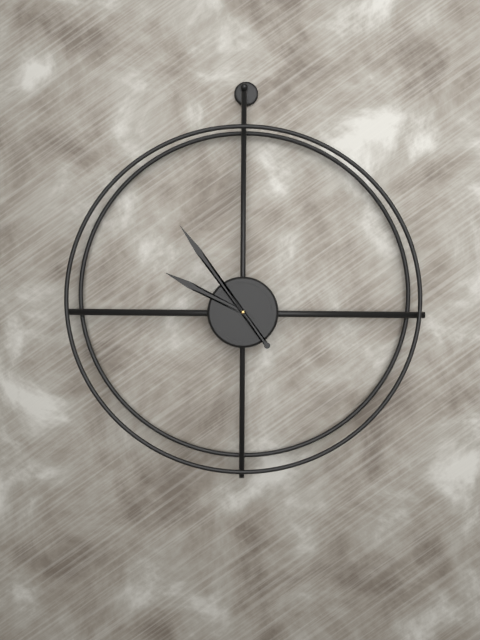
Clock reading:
**9:54**
